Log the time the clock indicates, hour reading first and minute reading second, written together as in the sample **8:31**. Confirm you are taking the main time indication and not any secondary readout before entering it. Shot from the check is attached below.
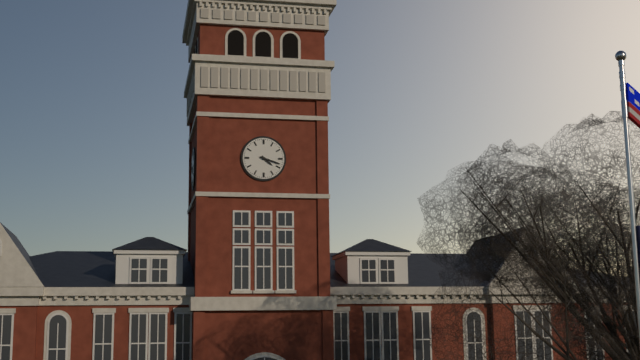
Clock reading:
**4:18**
